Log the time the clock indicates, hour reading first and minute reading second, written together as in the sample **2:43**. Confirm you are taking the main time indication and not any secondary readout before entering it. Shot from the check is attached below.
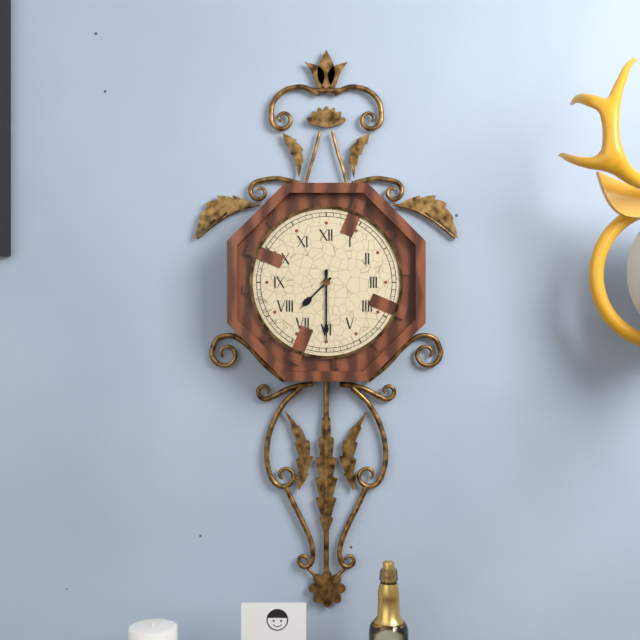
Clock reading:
**7:30**
